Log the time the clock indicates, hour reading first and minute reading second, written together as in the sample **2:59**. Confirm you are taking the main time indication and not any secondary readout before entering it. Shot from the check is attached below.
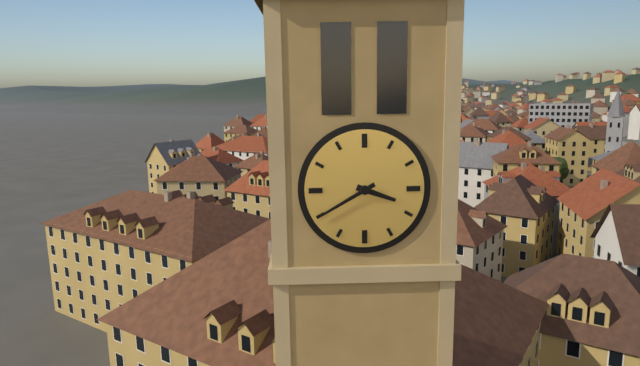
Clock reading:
**3:40**
